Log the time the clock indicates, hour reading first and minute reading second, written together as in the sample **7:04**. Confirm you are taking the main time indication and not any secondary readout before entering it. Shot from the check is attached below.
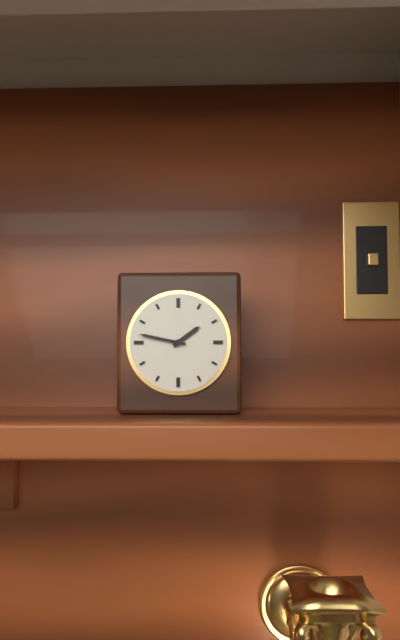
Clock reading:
**1:47**
